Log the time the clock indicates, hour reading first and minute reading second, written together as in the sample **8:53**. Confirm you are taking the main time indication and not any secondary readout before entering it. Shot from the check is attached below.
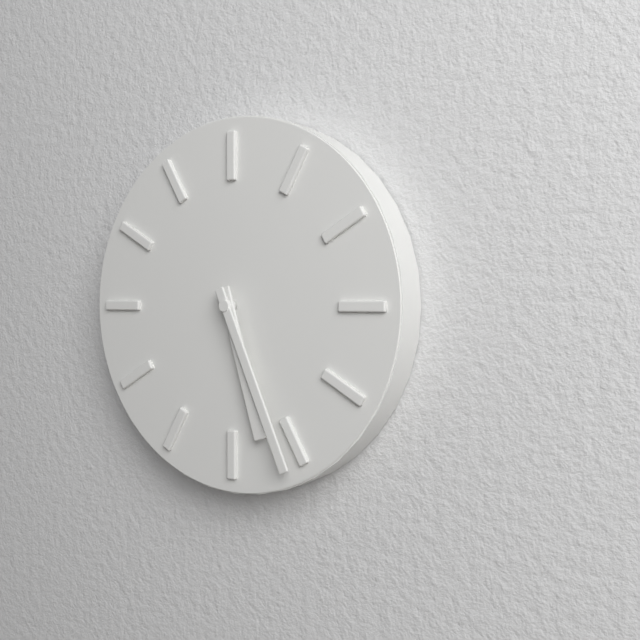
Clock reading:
**5:26**
